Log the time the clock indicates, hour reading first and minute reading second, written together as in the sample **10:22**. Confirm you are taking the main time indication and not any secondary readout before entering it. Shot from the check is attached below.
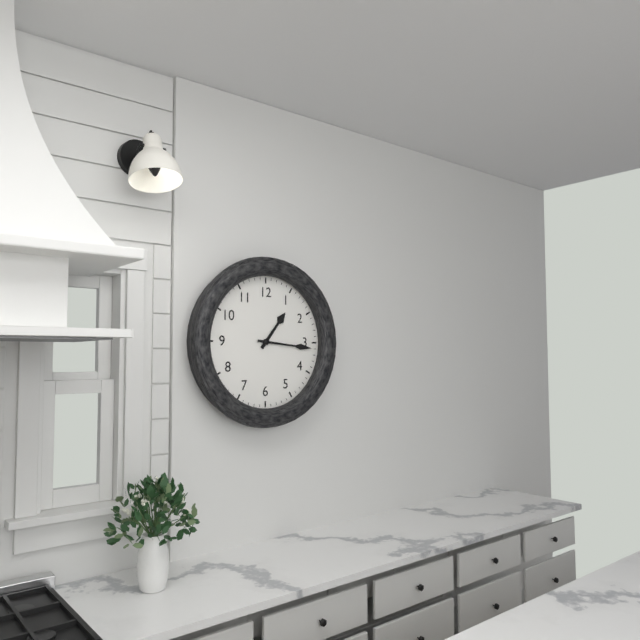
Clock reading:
**1:16**
